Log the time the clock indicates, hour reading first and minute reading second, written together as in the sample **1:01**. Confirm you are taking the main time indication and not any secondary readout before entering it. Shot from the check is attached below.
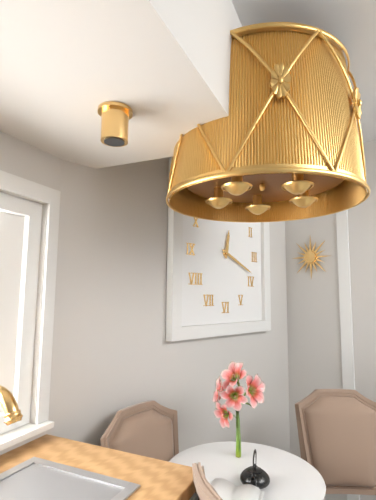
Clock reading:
**12:19**
